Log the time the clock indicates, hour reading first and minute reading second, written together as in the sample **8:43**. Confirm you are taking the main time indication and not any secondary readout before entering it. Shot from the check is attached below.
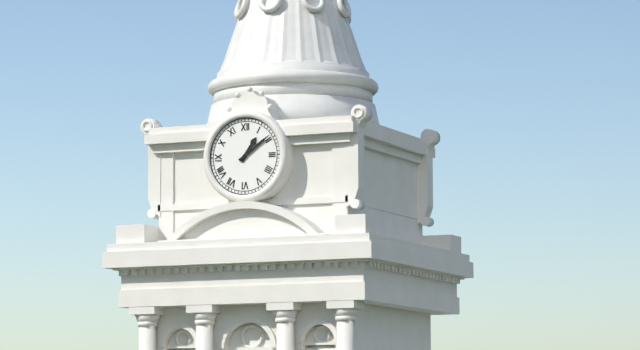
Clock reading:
**1:09**
